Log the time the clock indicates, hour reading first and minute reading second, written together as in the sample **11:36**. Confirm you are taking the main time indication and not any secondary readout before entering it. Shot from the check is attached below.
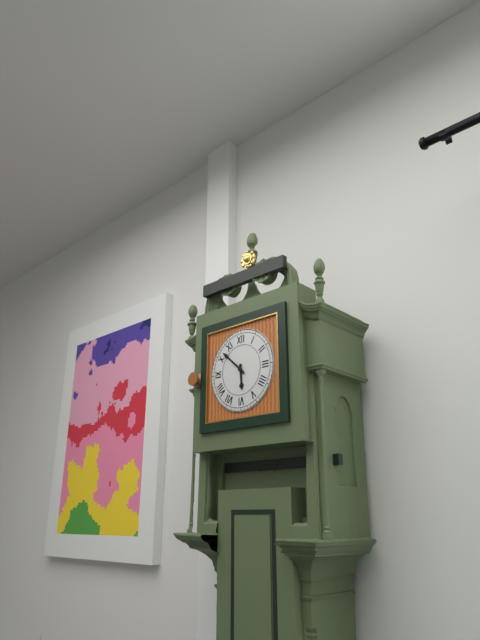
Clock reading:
**5:52**
